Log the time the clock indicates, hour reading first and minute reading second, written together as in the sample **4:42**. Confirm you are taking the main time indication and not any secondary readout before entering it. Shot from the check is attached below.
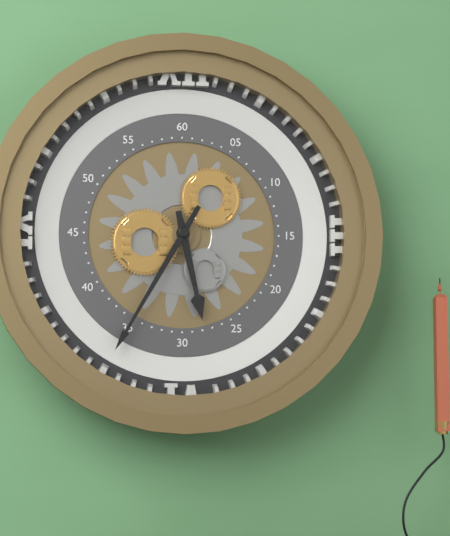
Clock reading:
**5:35**
